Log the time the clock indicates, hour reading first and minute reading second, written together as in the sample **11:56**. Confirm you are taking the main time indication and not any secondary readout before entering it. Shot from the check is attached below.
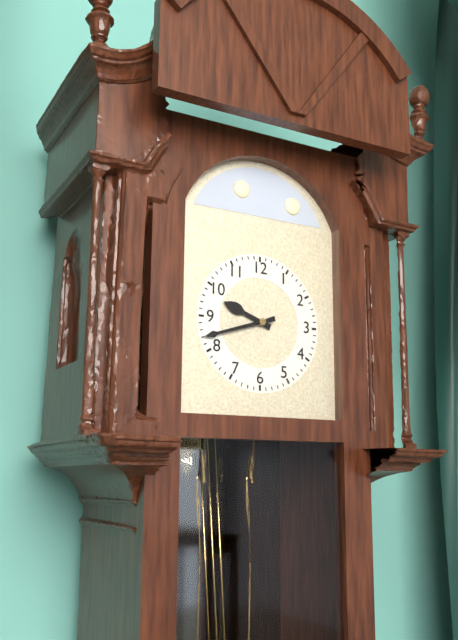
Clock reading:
**9:42**
